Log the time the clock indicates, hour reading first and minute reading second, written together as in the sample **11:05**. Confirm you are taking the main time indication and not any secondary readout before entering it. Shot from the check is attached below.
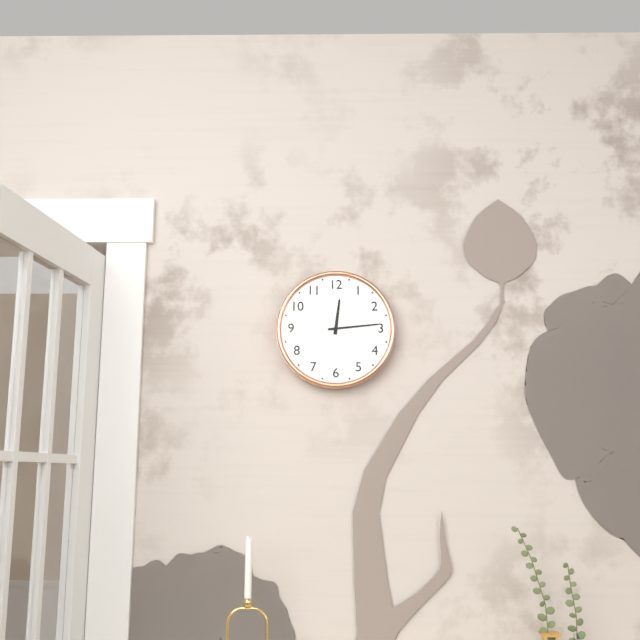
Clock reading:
**12:14**
